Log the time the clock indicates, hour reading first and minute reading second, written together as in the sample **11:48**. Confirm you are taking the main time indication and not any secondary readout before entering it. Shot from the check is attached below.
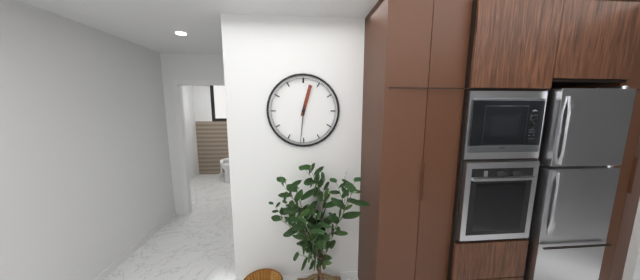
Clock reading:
**12:31**
